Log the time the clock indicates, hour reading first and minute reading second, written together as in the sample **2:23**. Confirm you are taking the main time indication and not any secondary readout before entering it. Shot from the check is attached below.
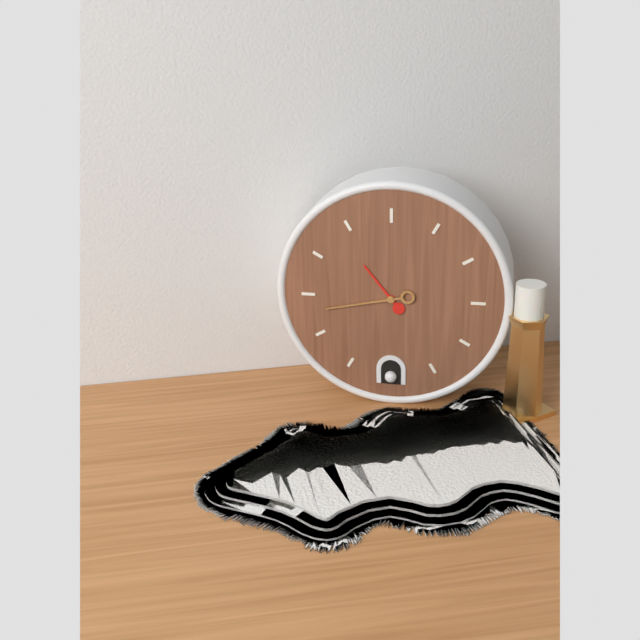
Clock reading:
**10:43**
